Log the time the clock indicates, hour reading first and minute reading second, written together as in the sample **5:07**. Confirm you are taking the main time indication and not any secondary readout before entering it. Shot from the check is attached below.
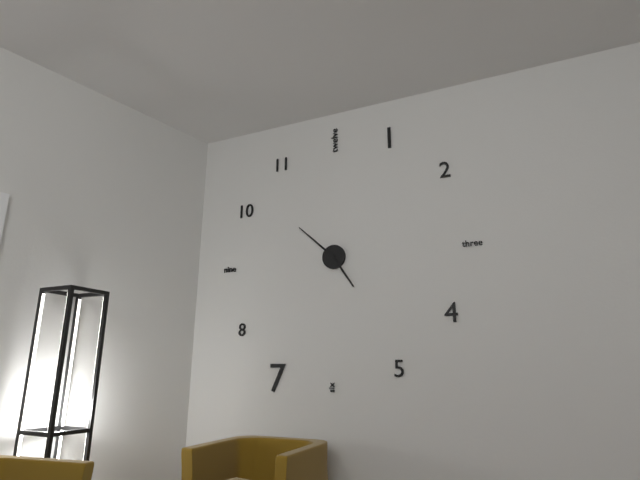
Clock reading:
**4:52**
